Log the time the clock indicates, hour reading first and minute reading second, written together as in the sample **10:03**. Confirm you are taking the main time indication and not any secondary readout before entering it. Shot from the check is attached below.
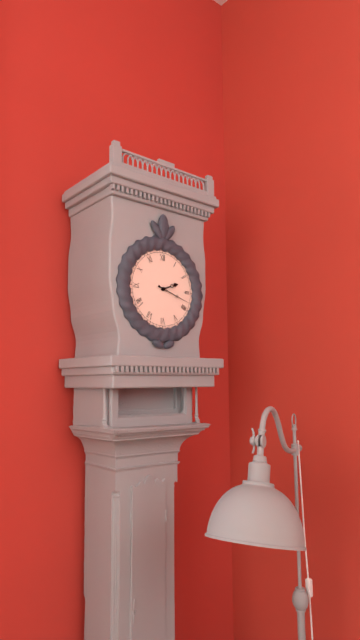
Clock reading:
**2:18**
